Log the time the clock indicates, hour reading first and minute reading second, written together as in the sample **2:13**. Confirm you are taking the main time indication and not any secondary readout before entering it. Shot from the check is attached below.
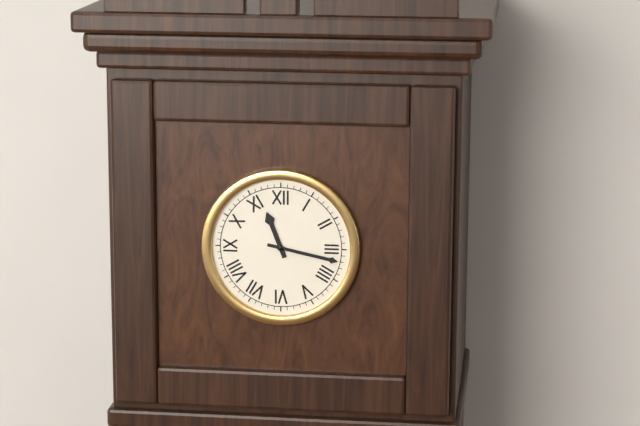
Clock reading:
**11:17**
